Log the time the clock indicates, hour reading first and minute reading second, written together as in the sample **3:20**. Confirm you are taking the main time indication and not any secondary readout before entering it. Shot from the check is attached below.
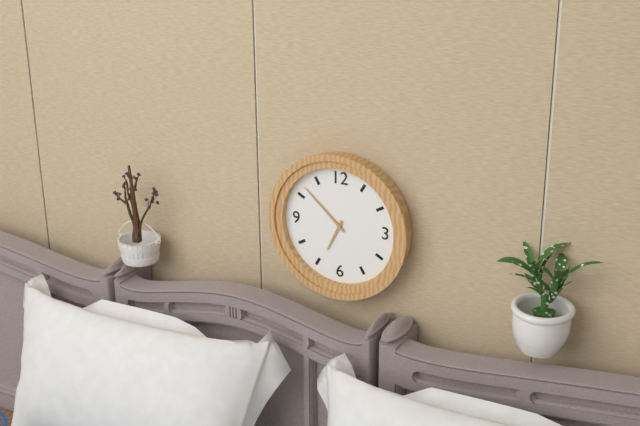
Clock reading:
**6:52**
